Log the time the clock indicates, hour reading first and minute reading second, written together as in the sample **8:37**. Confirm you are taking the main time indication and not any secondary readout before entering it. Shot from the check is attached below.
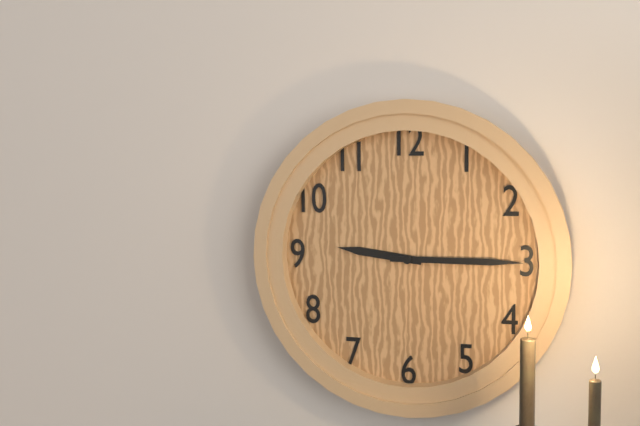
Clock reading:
**9:15**
